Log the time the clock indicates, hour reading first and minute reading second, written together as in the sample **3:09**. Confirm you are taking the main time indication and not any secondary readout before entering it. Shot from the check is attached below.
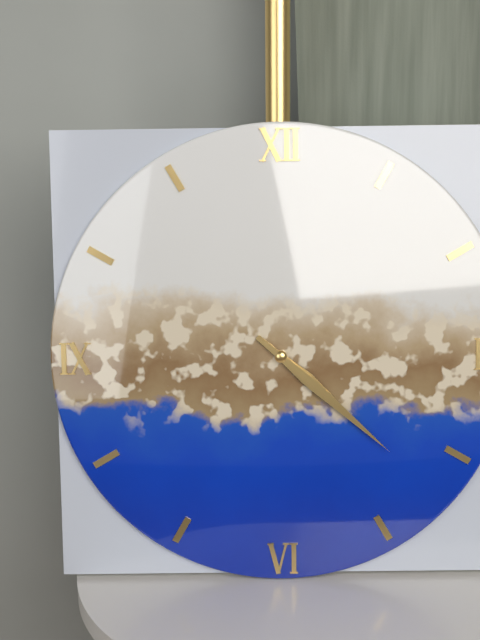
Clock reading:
**4:22**
